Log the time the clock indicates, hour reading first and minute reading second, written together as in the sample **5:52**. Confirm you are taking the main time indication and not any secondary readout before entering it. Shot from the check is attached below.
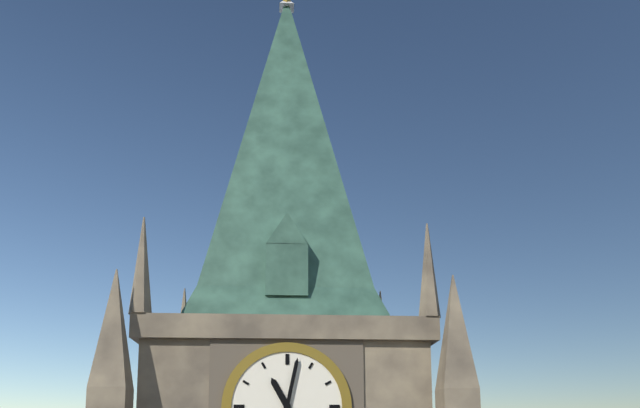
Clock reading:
**11:02**
